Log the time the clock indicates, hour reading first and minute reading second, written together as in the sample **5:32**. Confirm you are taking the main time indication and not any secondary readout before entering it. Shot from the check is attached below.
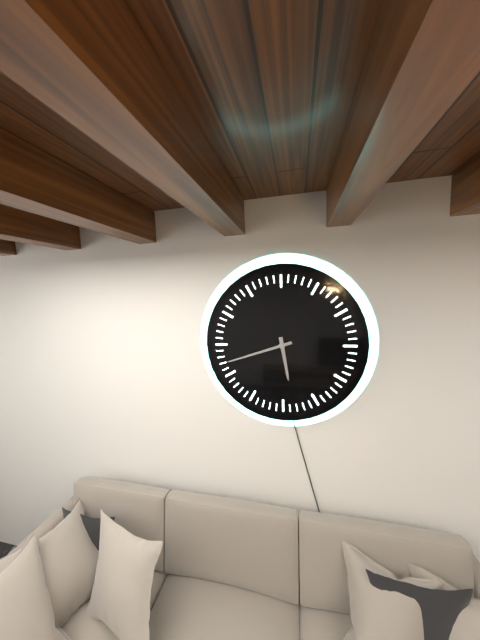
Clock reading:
**5:42**
